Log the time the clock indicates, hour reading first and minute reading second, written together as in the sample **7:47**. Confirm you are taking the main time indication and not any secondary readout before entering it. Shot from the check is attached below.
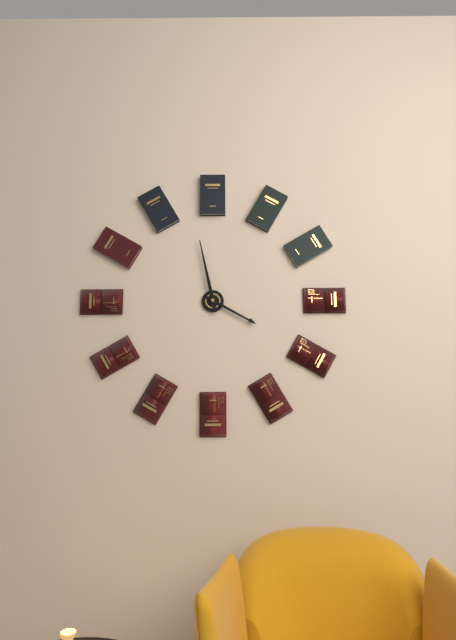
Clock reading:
**3:58**
